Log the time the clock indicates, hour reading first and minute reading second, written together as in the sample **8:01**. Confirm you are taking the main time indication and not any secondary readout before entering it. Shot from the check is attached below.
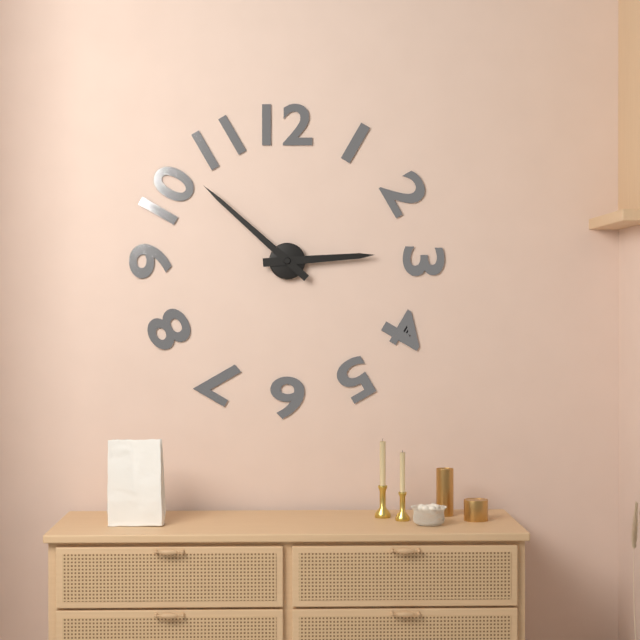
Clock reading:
**2:52**
